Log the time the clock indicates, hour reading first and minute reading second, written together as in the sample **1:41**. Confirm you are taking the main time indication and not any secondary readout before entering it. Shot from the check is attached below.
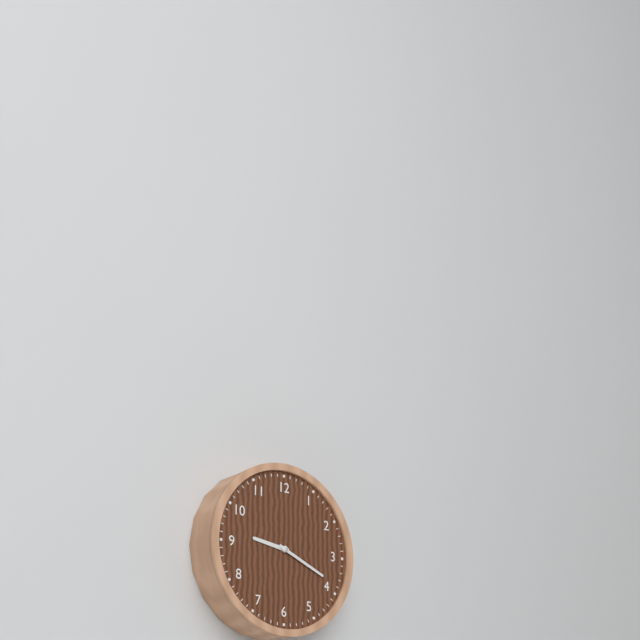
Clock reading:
**9:19**
